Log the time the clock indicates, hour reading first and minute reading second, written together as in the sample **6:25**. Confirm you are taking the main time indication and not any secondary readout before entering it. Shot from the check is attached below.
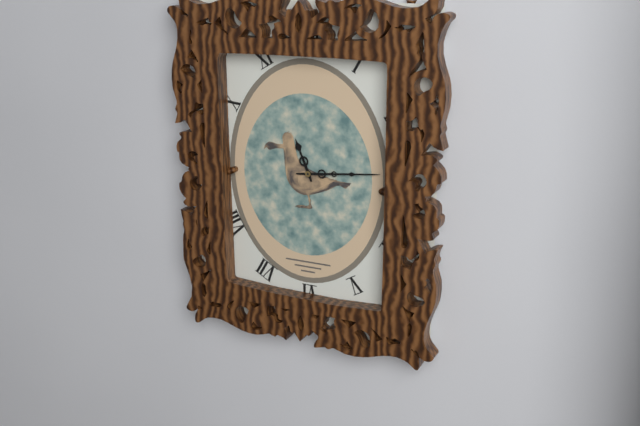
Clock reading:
**11:14**
